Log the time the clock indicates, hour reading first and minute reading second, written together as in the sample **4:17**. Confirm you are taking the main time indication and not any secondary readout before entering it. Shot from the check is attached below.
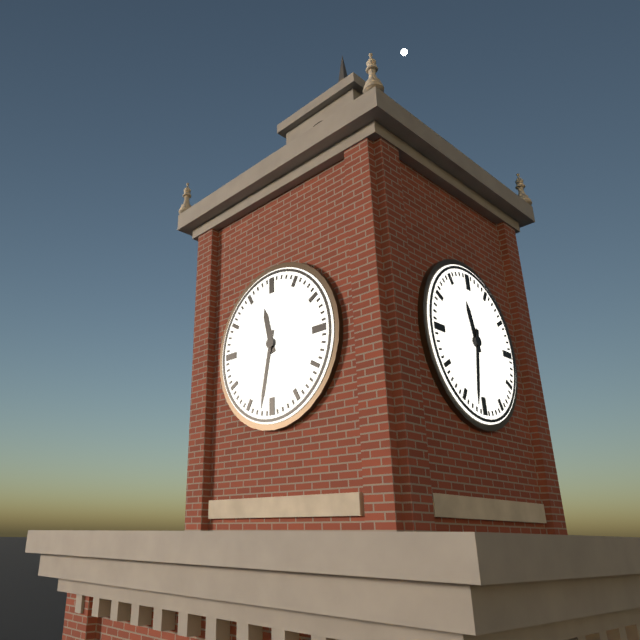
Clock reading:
**11:32**
